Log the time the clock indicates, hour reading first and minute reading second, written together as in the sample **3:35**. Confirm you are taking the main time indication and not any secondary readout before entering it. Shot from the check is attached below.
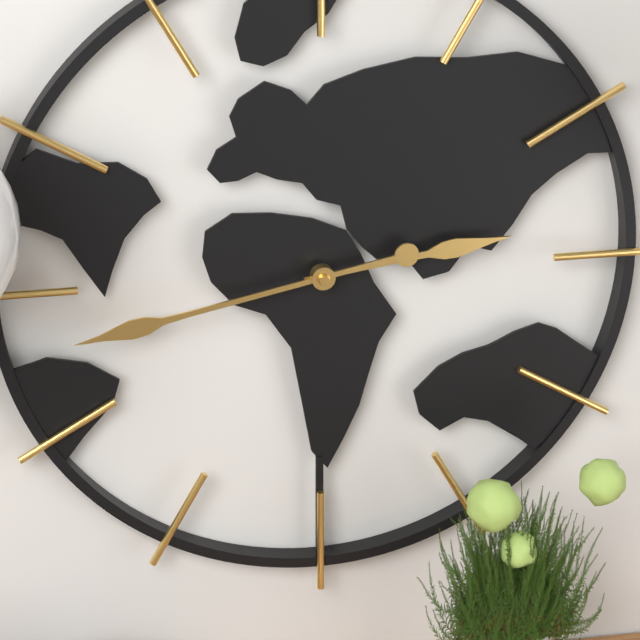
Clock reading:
**2:43**
